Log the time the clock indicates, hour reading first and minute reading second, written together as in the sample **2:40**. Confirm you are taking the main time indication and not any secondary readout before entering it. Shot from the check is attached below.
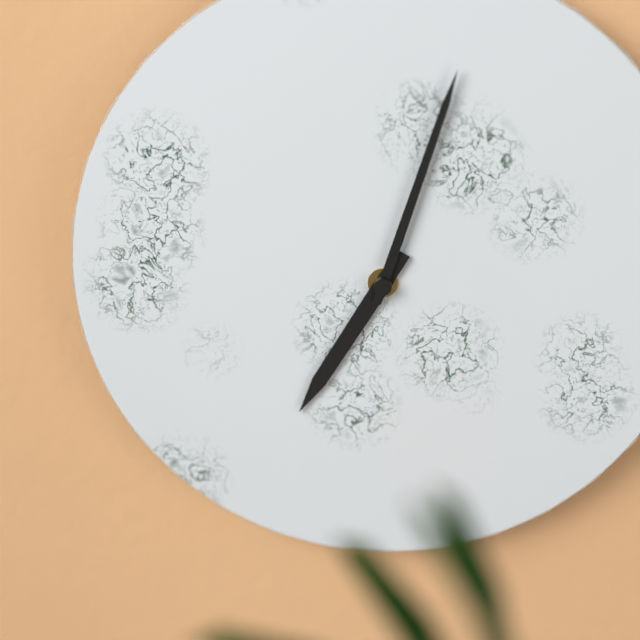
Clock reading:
**7:03**
